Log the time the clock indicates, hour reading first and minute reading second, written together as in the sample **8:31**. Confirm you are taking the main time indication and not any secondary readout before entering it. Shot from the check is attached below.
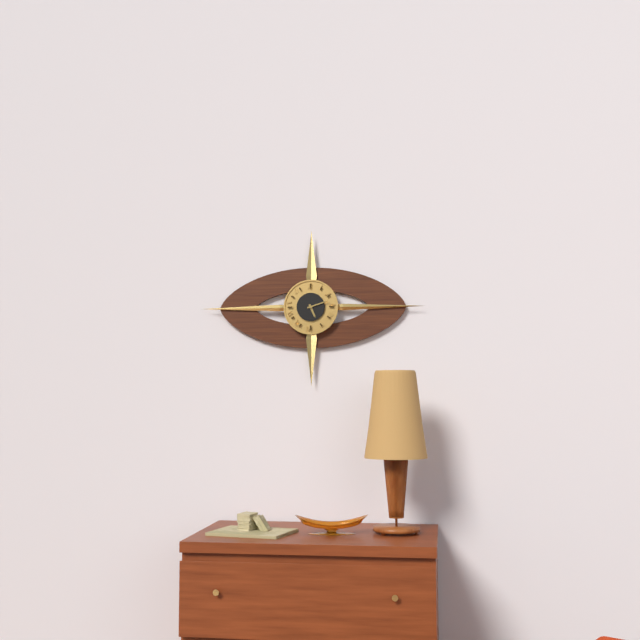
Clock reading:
**5:12**
